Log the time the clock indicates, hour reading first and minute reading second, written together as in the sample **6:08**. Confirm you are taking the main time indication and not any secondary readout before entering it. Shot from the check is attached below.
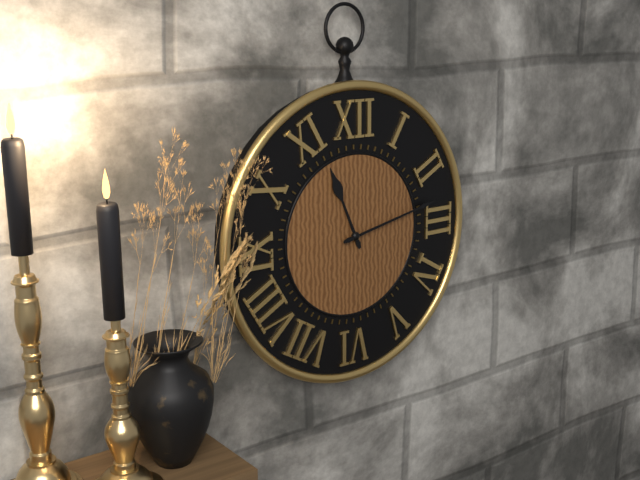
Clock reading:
**11:13**
